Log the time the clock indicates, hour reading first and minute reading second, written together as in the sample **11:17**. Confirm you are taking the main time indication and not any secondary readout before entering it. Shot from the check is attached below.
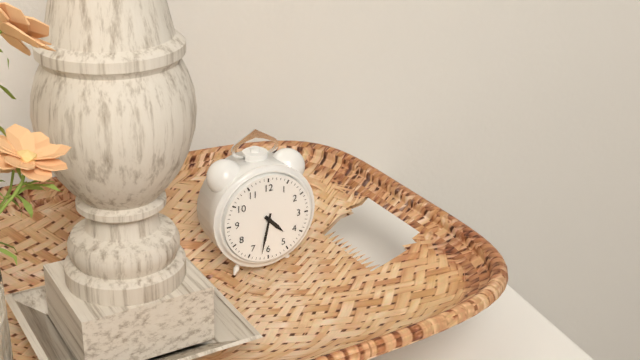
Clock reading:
**4:32**
